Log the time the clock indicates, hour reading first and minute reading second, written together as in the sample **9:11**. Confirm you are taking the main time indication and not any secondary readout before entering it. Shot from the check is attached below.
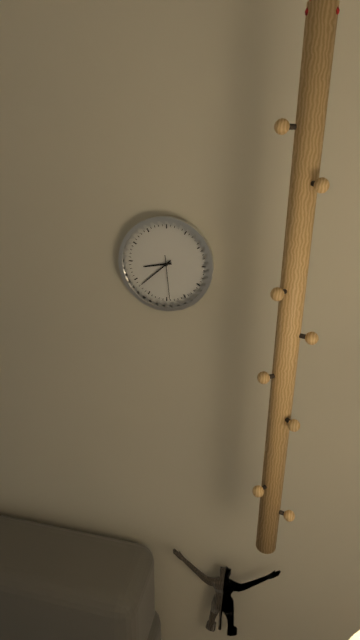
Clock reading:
**8:38**
